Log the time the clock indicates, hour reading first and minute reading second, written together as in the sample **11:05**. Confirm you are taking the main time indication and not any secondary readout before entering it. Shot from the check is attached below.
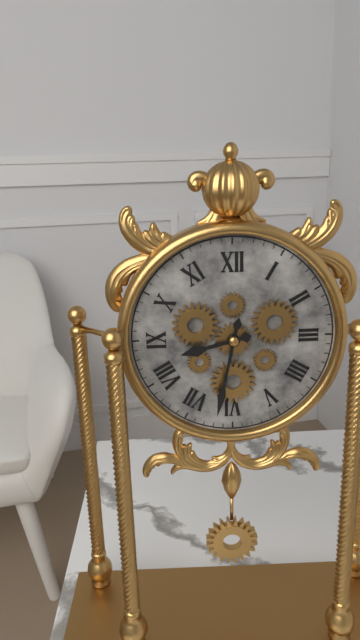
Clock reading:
**8:32**
